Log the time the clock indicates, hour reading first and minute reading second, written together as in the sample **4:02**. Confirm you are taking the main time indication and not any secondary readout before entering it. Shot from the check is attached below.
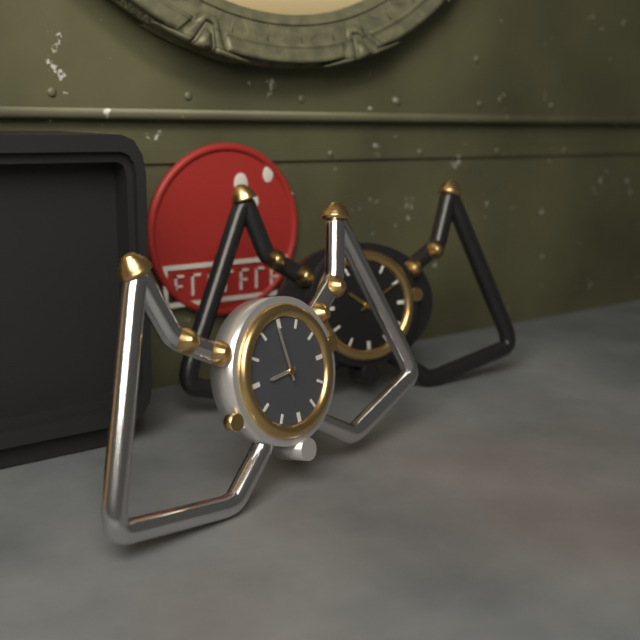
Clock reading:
**8:59**
